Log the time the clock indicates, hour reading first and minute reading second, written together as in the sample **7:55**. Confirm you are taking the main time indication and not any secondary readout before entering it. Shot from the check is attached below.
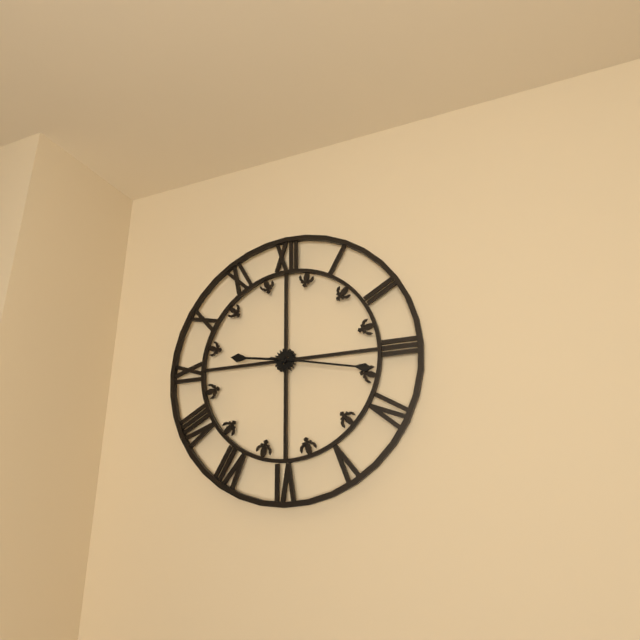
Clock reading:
**9:17**
